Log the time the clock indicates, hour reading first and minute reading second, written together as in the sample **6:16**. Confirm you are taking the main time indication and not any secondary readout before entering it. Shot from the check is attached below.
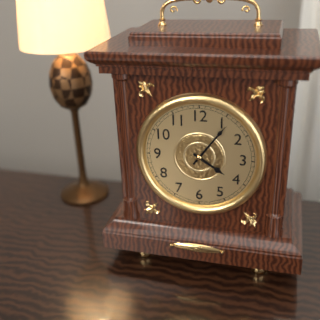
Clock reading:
**4:06**
